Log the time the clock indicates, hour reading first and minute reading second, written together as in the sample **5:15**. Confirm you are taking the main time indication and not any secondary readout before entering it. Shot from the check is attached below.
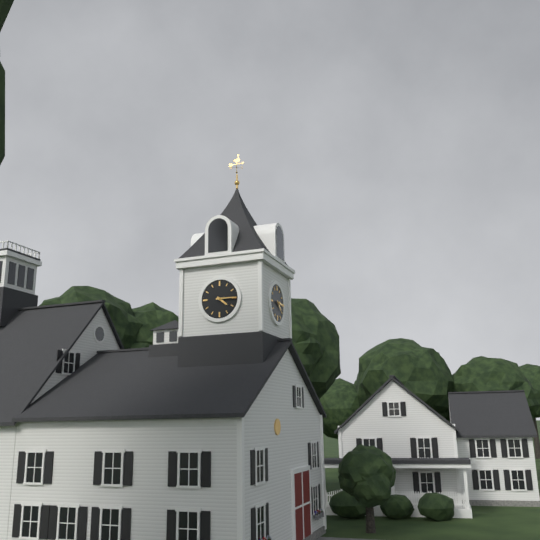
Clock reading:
**4:15**
